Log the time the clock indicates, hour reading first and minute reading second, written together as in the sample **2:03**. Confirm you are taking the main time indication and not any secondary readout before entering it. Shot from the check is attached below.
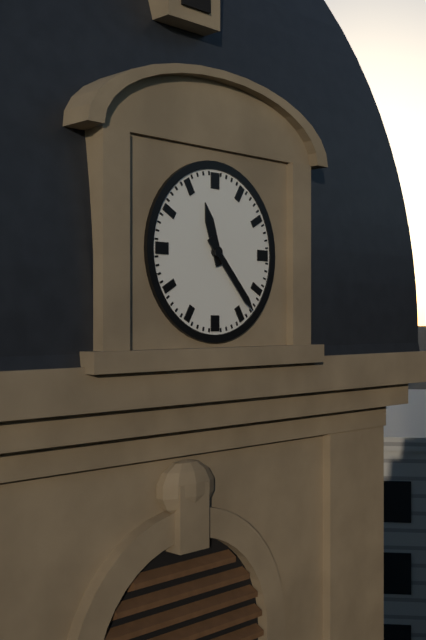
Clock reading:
**11:23**
